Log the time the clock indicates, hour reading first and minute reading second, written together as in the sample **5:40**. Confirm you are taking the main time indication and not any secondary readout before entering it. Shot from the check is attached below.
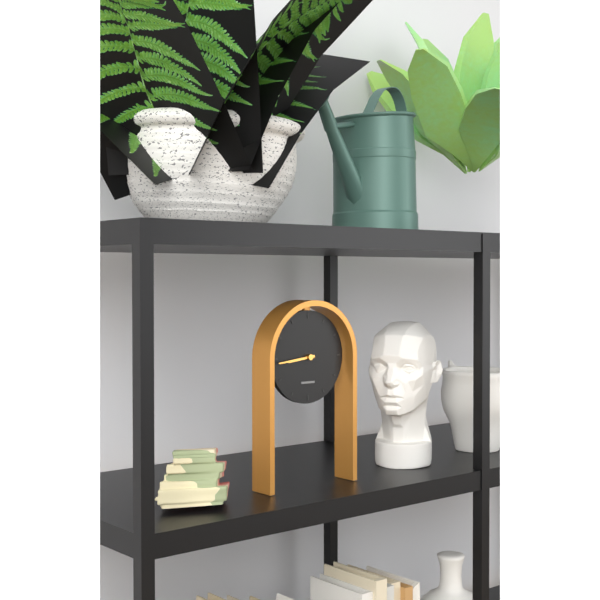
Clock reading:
**8:44**
